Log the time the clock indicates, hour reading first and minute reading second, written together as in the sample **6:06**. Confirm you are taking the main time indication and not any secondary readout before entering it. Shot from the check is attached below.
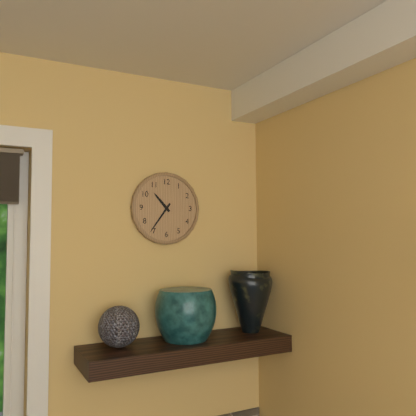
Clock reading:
**10:36**
